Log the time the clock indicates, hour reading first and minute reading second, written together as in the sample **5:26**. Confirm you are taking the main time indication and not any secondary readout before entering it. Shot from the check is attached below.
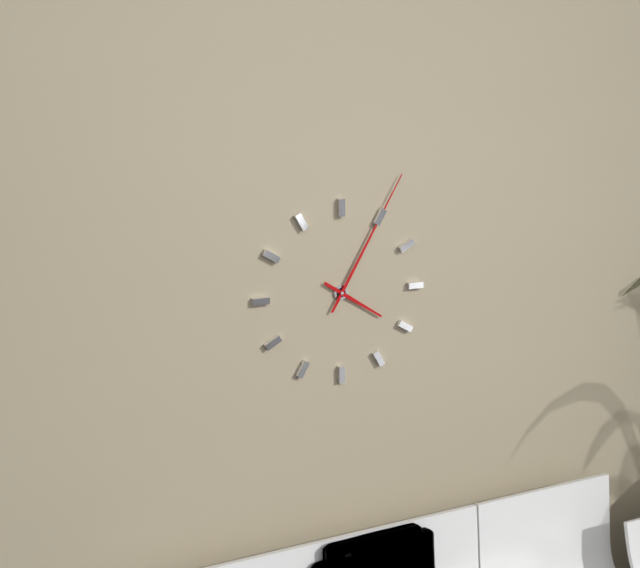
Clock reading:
**4:05**
